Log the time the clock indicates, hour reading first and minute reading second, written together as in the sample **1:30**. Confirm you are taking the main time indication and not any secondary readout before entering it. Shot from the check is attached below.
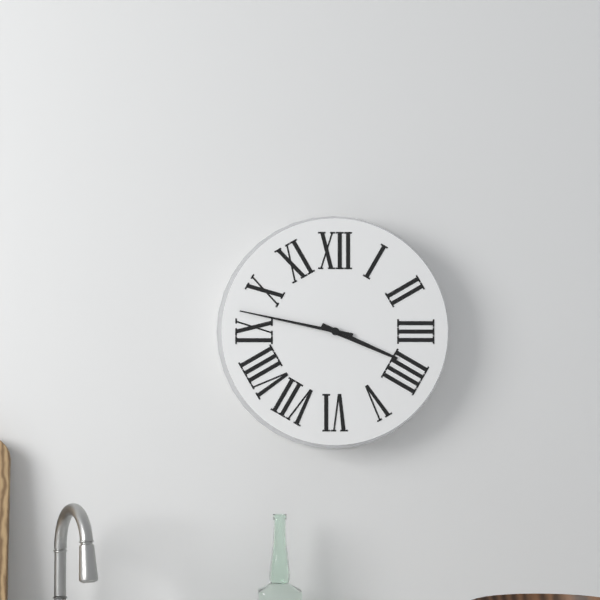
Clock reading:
**3:47**
